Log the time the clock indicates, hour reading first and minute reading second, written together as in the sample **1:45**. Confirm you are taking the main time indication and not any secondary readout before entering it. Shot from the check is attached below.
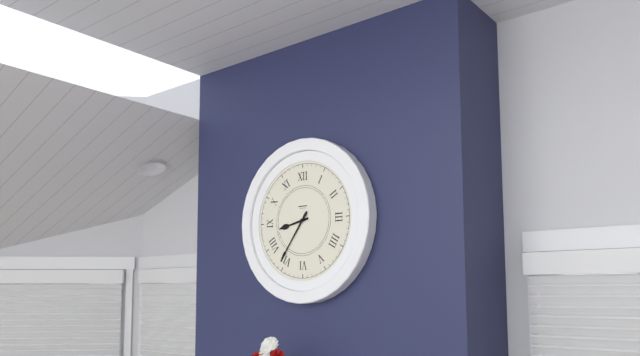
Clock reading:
**8:36**
